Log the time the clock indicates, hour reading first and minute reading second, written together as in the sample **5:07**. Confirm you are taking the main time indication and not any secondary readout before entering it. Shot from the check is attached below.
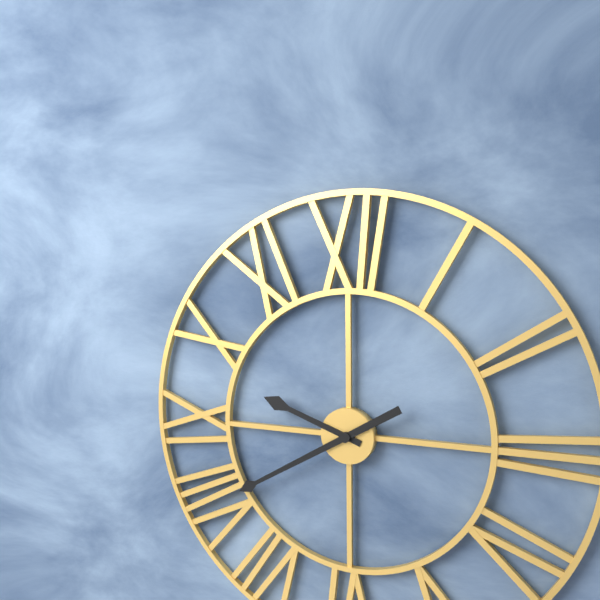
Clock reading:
**9:40**
